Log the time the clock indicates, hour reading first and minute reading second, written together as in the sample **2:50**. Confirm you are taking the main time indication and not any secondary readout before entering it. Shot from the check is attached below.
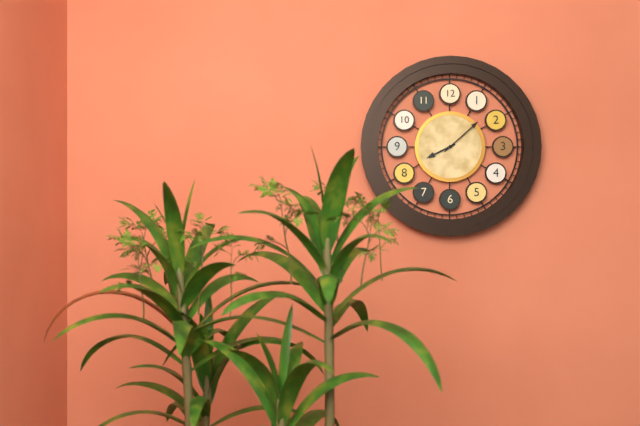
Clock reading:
**8:08**
